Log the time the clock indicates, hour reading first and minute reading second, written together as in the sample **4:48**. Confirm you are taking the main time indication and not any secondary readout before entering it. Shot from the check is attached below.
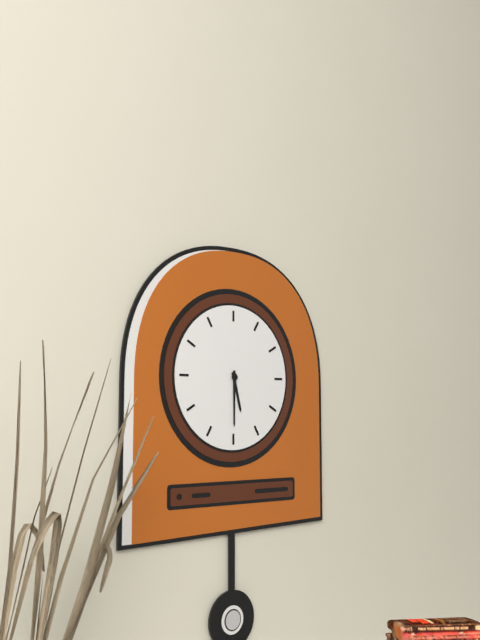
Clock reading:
**5:30**
